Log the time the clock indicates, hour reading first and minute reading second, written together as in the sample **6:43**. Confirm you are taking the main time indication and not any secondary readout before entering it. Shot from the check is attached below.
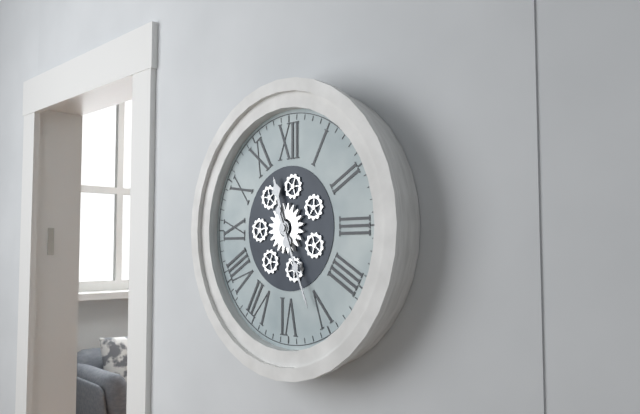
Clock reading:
**11:26**
